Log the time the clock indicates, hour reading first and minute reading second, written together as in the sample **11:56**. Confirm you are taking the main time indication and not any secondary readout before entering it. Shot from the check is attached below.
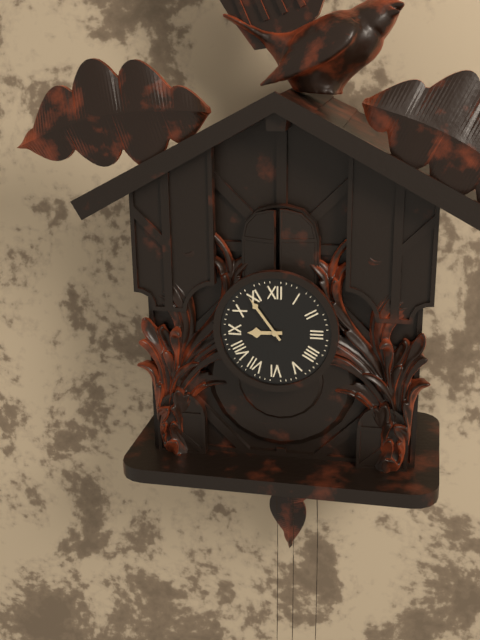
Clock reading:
**8:54**
